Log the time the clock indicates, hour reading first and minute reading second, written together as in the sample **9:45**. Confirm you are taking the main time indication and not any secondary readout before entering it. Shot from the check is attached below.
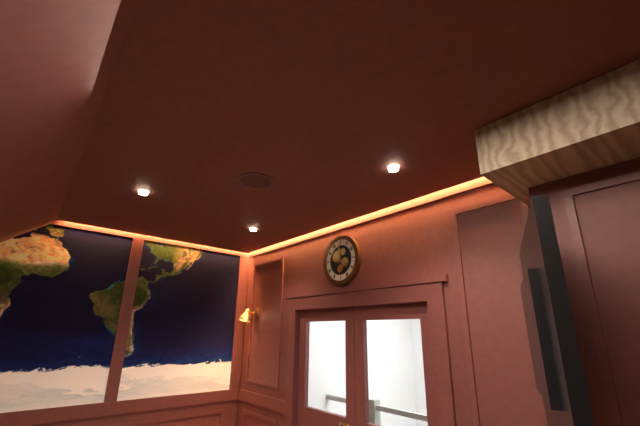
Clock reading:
**11:59**
